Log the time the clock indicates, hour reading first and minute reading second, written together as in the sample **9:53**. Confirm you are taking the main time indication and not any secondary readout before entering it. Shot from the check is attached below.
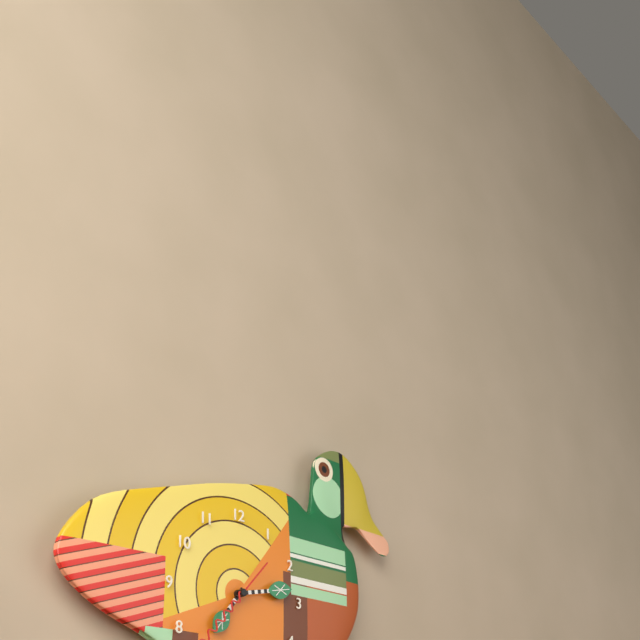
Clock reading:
**7:13**
